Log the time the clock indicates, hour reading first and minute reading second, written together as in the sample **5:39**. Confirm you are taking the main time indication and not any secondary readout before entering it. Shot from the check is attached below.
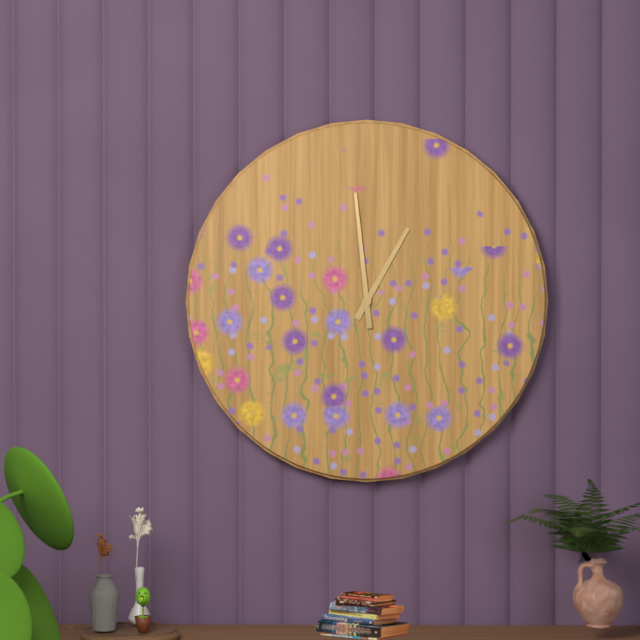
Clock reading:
**12:59**
